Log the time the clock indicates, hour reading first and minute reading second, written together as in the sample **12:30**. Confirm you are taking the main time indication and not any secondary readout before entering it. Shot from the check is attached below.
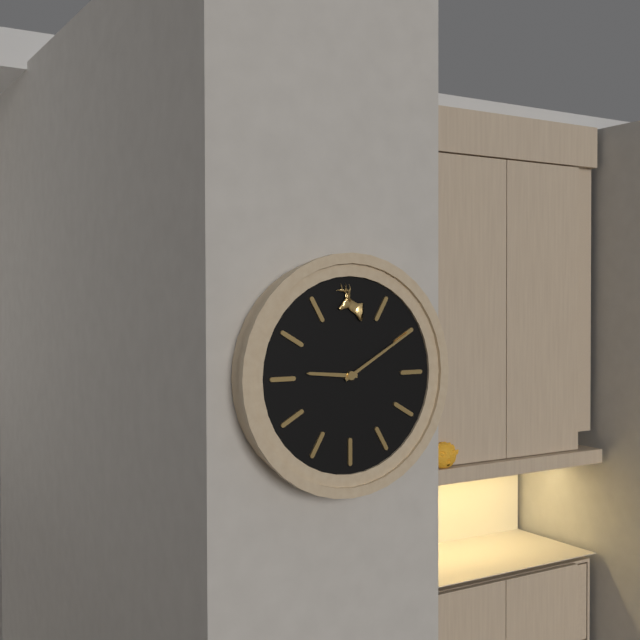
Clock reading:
**9:10**
